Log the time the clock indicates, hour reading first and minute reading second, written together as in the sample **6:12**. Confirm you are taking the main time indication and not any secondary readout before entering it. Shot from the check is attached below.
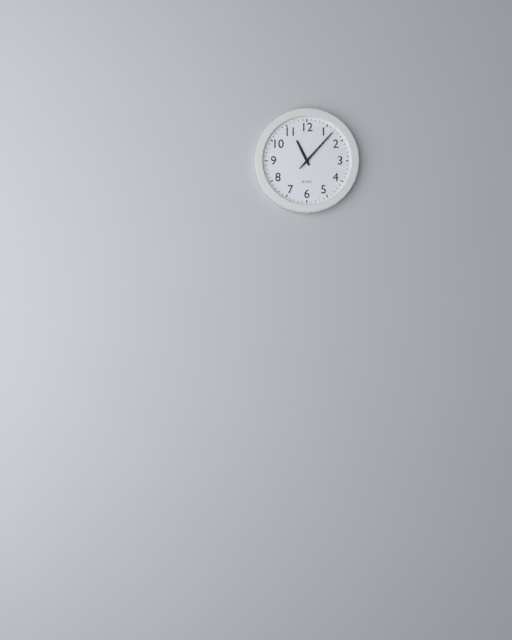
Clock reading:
**11:07**
